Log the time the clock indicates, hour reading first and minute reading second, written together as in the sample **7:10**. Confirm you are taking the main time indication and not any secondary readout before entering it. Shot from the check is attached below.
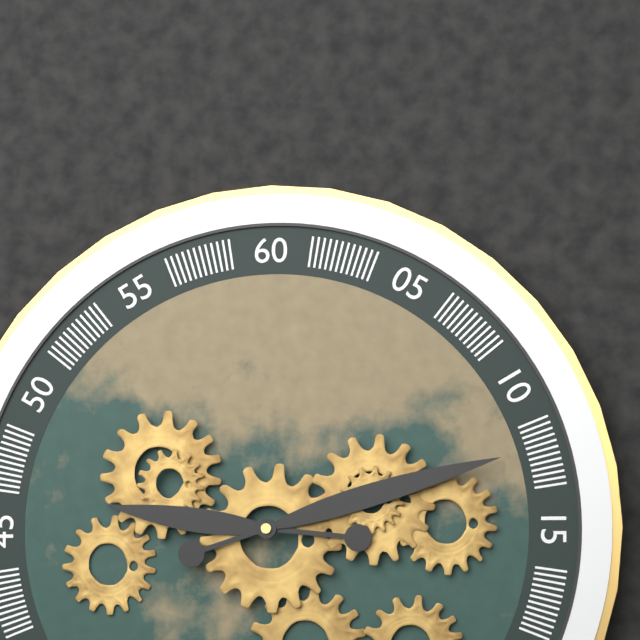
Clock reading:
**9:12**
